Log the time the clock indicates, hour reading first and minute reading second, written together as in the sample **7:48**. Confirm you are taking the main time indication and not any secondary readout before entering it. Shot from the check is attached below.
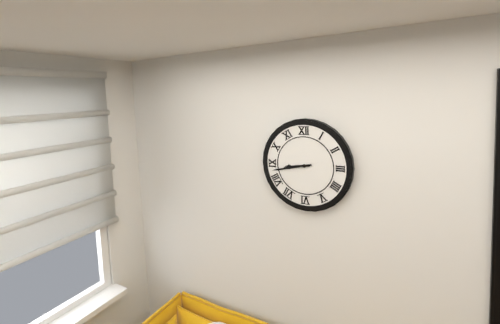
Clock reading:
**8:43**
